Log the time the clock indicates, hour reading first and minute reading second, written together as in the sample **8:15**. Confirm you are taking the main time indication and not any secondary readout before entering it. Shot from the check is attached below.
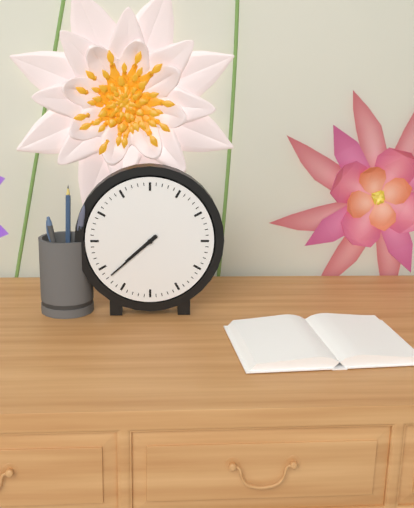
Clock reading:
**7:38**
